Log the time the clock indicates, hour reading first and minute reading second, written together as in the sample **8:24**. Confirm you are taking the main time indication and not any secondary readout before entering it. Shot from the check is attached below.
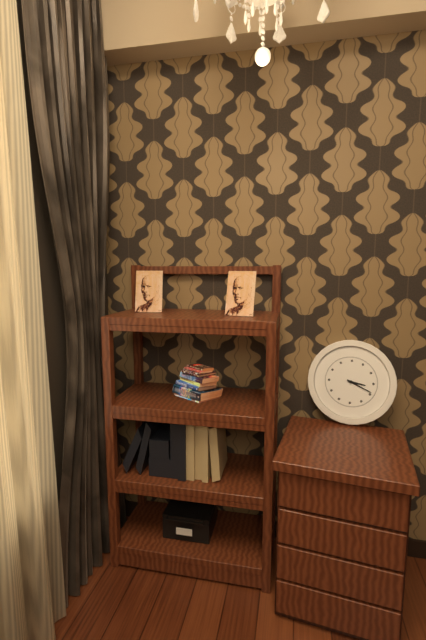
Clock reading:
**3:19**
